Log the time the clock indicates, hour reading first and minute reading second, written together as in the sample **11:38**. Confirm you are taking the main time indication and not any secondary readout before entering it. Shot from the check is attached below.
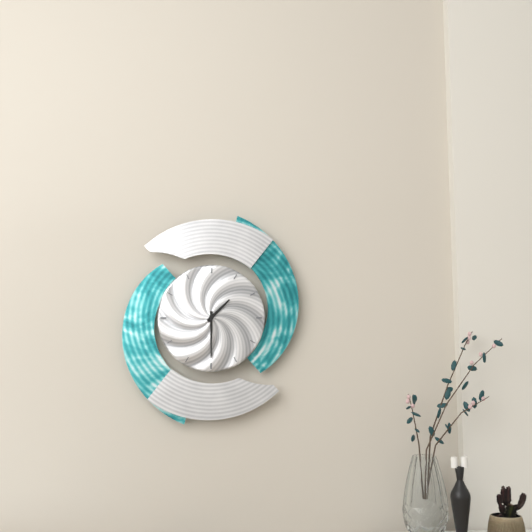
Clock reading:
**1:30**
